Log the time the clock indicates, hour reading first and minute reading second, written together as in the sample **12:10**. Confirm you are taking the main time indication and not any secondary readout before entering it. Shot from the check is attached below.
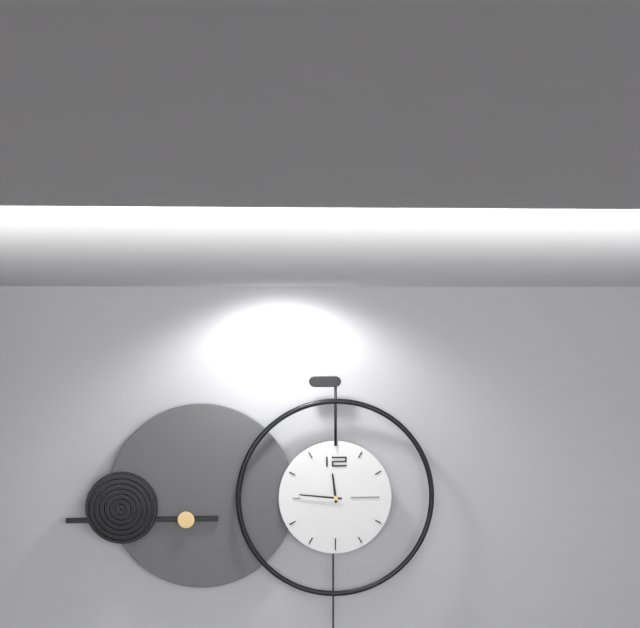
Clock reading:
**11:46**
